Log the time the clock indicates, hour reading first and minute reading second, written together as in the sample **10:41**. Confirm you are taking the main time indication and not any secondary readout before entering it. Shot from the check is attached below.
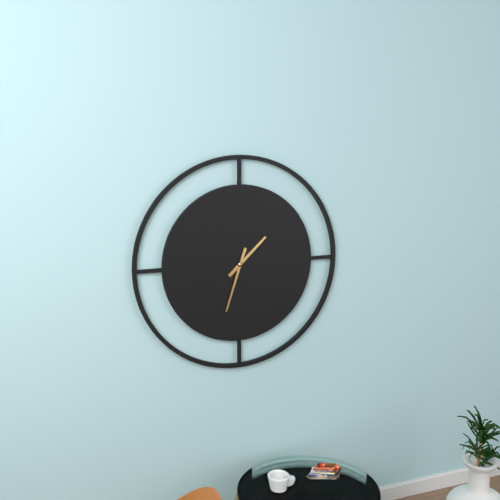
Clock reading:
**1:33**
